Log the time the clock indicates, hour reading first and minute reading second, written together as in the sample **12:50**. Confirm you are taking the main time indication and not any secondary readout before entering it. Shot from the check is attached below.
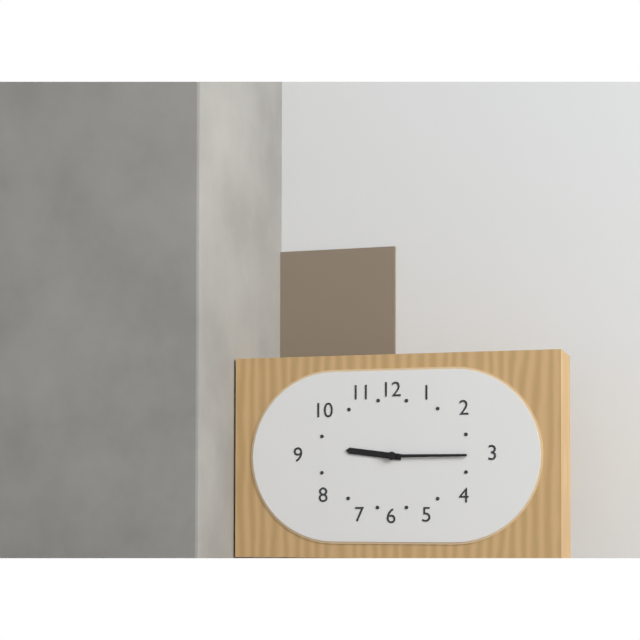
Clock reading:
**9:15**
